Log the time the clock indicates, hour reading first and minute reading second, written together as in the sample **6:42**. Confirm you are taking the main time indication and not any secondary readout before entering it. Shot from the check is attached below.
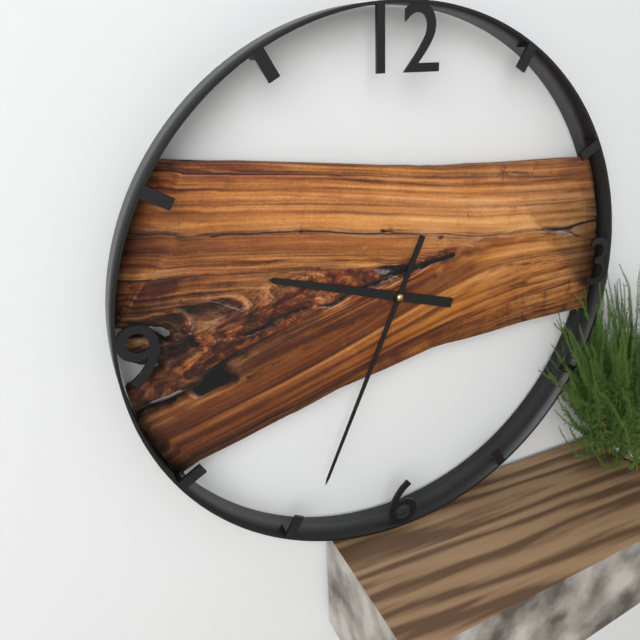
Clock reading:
**9:34**
